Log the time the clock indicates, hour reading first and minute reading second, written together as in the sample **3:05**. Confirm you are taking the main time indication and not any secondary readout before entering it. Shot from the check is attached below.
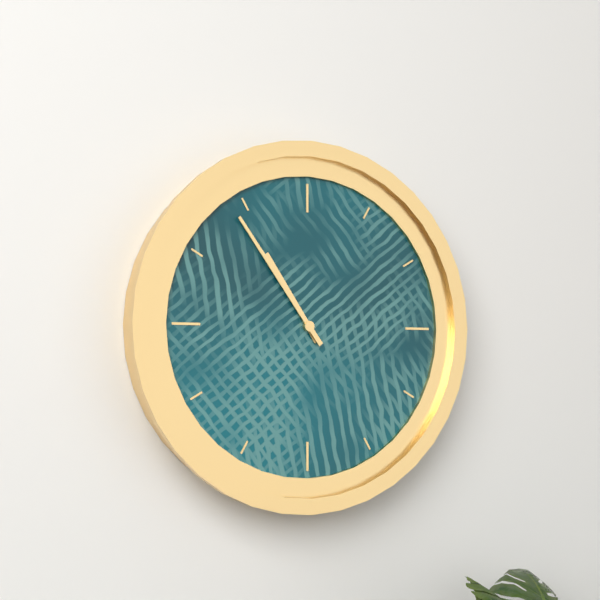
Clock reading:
**10:54**
